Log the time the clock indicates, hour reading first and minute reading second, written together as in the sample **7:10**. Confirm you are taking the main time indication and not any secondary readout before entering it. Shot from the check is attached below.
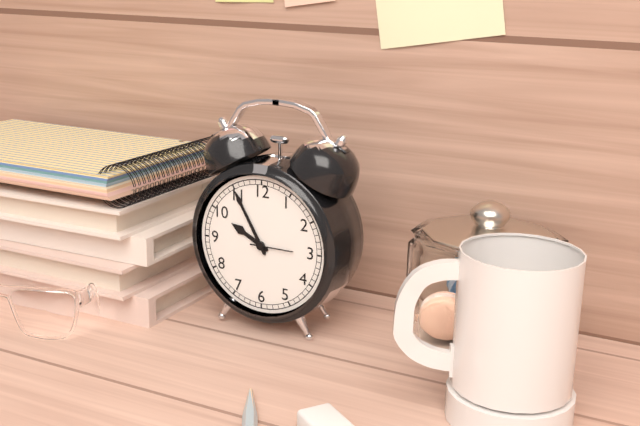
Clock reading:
**9:55**
